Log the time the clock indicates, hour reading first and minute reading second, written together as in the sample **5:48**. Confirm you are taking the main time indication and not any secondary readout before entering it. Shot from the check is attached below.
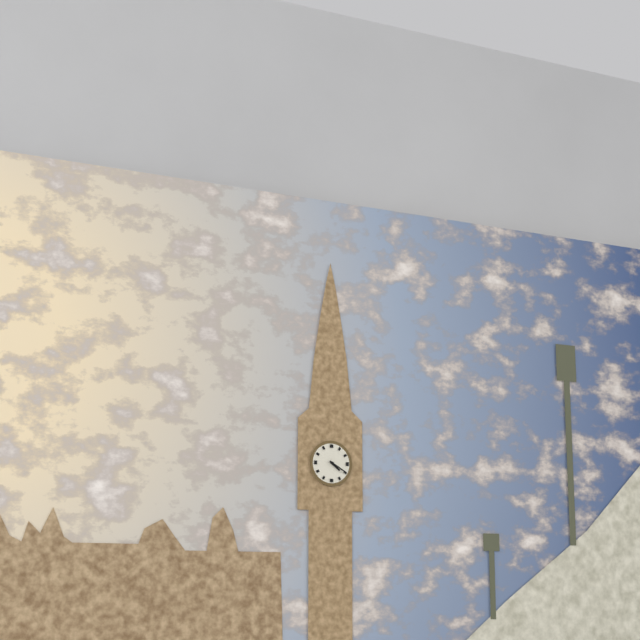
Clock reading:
**4:20**
